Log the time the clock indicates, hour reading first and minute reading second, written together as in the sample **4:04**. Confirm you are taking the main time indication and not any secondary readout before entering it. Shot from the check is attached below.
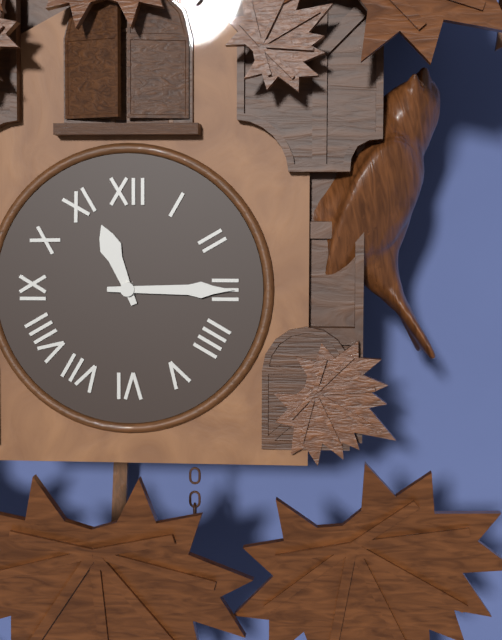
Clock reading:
**11:15**
